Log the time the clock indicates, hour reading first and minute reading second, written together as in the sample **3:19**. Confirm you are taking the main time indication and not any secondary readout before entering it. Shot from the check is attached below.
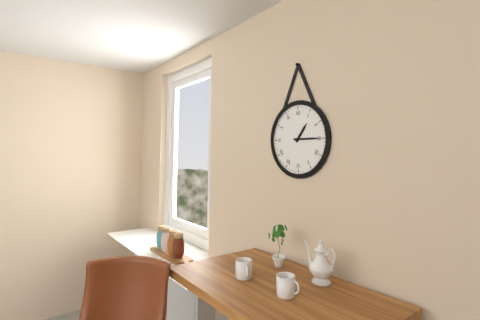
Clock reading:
**1:15**
